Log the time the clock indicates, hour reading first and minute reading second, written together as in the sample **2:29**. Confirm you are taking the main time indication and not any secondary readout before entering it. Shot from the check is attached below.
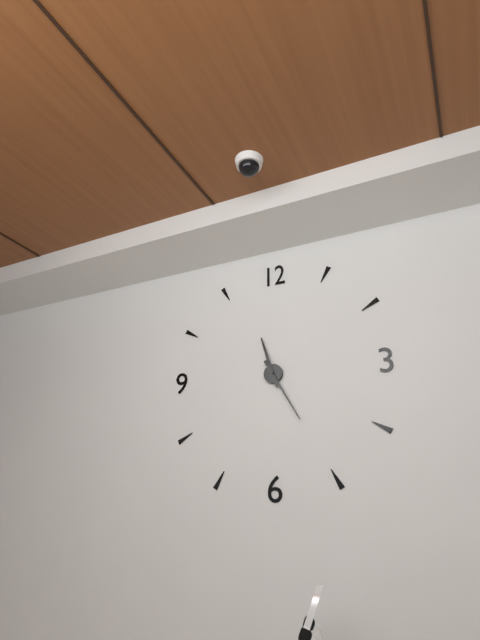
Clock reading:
**11:25**
